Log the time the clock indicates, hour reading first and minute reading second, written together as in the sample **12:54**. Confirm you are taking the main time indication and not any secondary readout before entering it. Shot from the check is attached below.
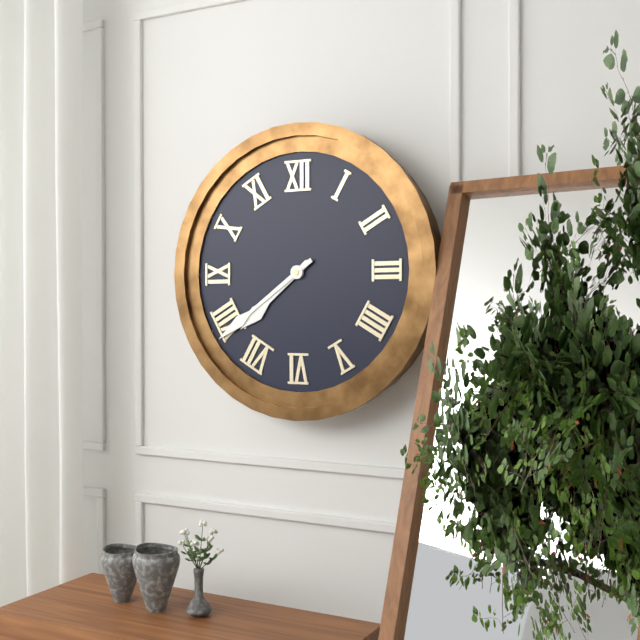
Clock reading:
**7:39**
